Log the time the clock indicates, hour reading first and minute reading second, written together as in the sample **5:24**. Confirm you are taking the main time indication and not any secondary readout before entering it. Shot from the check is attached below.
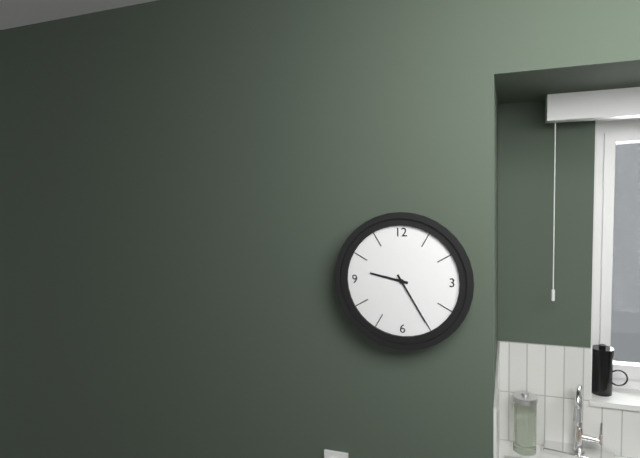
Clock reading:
**9:25**
